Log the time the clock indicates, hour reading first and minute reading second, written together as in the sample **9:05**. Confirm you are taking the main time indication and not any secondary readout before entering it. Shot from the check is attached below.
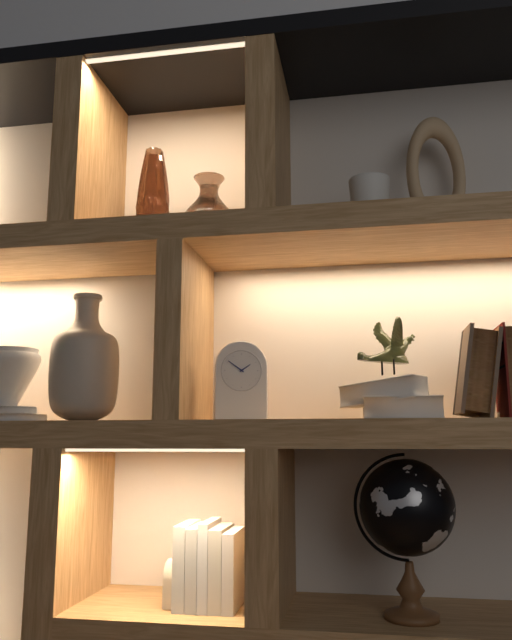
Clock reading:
**1:51**
